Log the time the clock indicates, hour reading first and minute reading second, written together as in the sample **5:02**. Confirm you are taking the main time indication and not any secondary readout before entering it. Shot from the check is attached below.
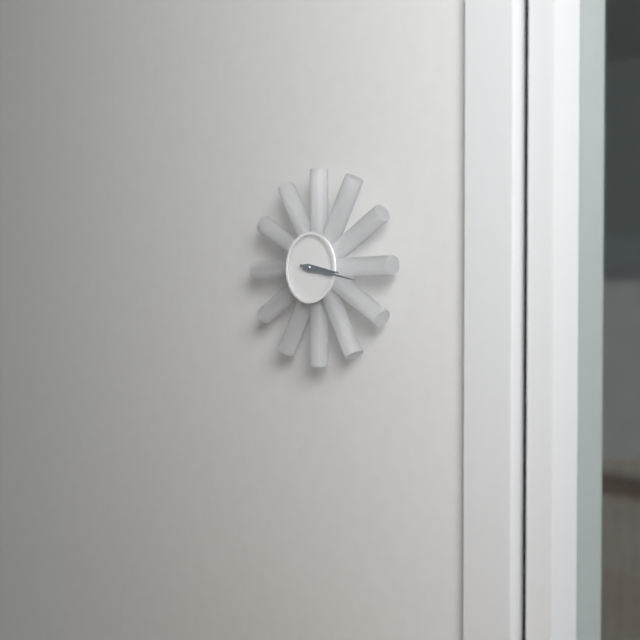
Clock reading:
**3:17**
